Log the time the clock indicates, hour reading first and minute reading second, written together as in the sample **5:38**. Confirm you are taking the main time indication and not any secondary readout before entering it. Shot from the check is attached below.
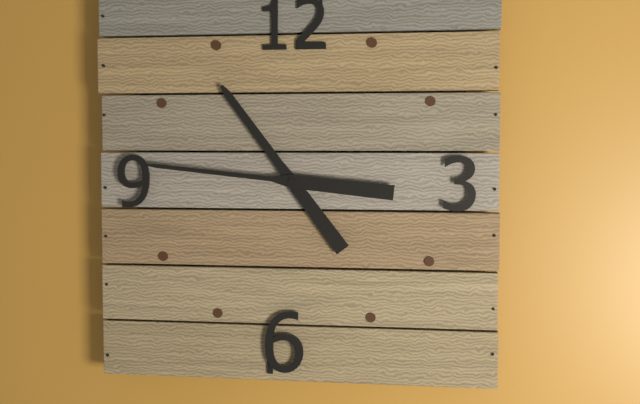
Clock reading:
**10:46**
